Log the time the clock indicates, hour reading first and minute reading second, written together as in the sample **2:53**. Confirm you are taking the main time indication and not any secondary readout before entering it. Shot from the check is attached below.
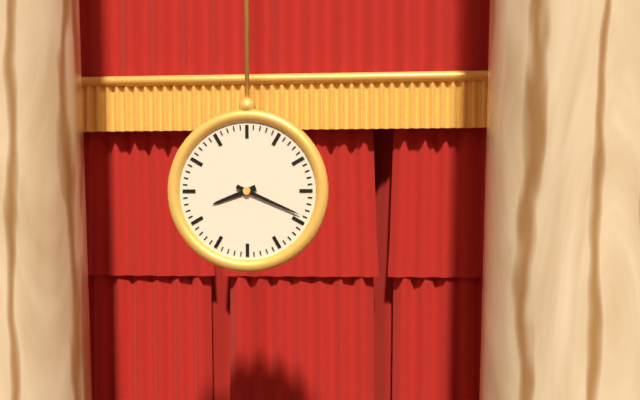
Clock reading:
**8:19**
